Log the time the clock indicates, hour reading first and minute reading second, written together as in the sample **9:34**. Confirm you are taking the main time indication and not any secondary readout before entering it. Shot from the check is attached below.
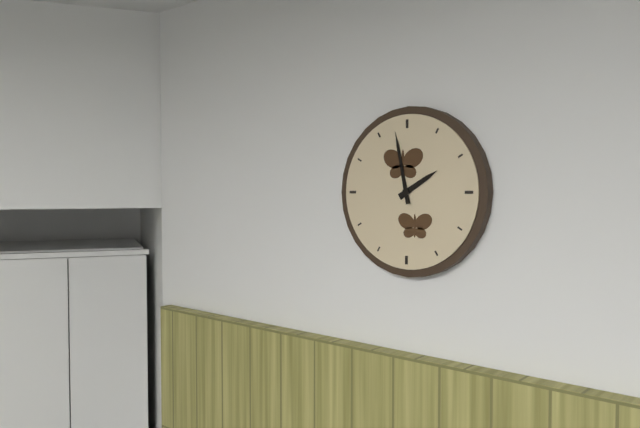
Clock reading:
**1:58**
